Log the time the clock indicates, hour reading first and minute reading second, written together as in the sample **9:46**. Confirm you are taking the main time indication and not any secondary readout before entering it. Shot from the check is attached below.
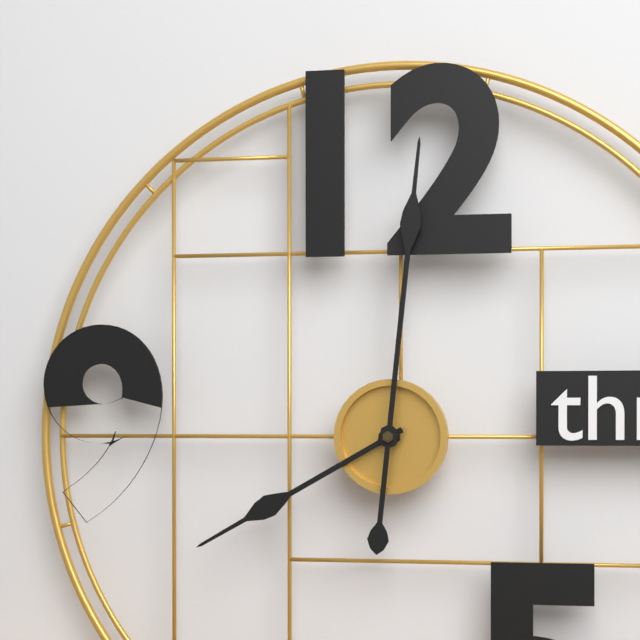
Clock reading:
**8:01**
